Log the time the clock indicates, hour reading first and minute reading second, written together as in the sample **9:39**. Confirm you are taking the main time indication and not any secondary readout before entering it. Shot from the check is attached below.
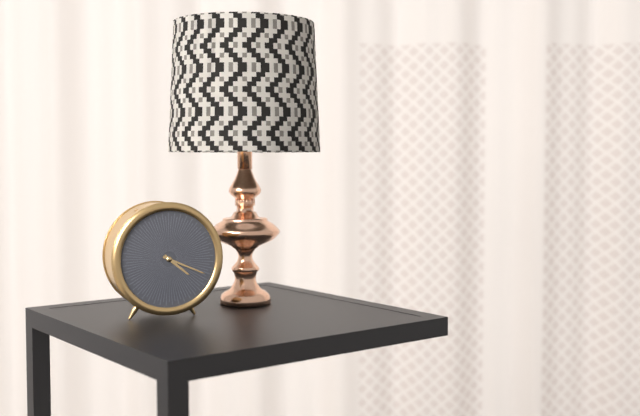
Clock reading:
**4:19**
